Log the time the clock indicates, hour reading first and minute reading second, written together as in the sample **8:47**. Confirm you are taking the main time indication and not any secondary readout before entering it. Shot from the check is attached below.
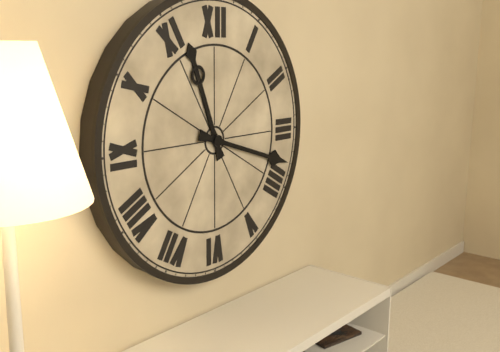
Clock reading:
**11:18**
